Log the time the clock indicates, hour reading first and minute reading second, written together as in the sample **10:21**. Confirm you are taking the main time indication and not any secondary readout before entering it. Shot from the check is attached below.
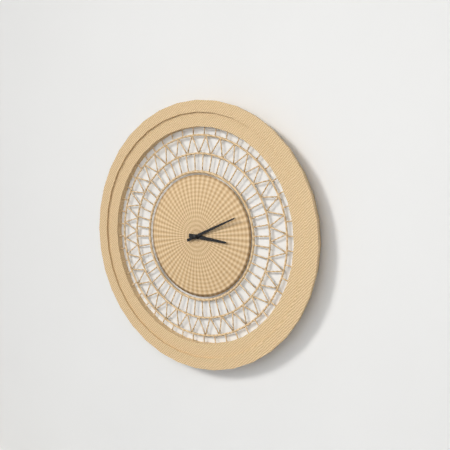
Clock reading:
**3:11**
